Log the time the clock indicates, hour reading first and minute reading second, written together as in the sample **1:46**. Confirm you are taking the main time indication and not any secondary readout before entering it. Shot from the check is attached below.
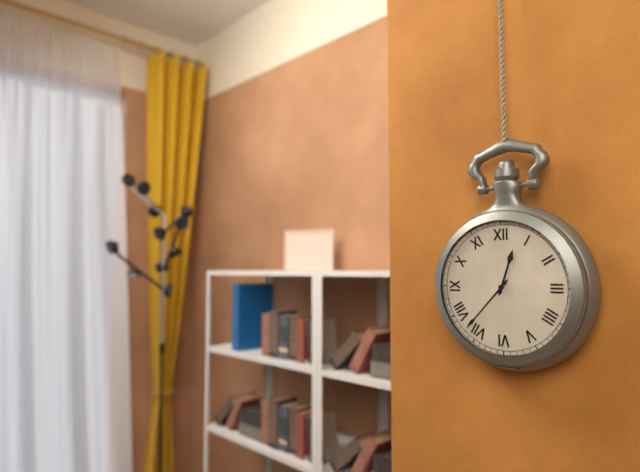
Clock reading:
**12:37**
